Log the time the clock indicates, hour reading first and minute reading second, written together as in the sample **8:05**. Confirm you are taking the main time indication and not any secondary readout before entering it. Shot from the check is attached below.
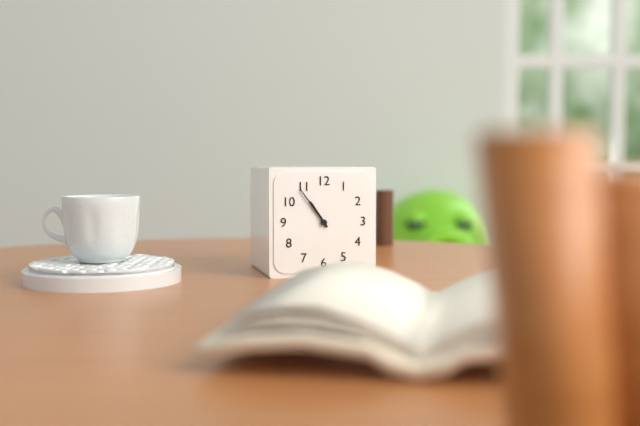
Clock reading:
**10:54**
